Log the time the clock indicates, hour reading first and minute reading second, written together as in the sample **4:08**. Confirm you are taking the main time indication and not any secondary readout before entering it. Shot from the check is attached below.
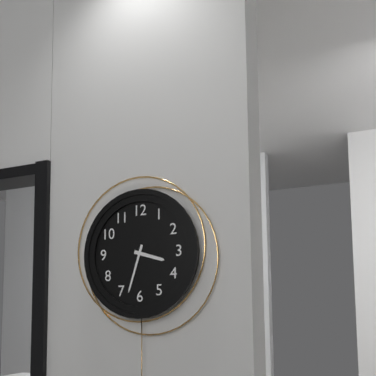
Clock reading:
**3:33**
